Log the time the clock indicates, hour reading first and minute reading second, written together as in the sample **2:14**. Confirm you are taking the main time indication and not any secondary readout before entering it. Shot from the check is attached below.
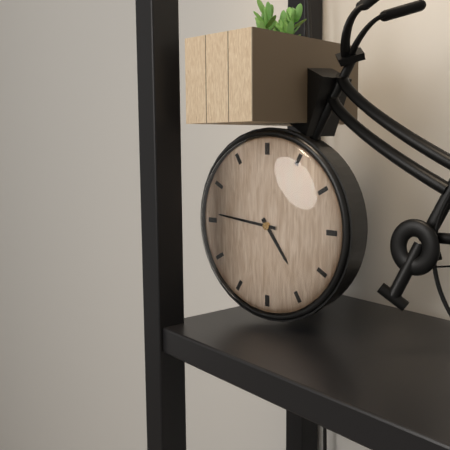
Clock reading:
**4:46**
